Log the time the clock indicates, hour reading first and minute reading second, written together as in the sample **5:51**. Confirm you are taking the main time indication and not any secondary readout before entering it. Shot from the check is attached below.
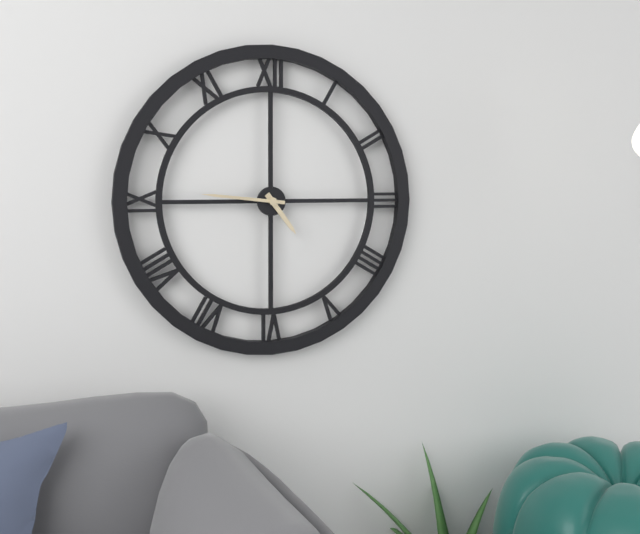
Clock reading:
**4:46**
